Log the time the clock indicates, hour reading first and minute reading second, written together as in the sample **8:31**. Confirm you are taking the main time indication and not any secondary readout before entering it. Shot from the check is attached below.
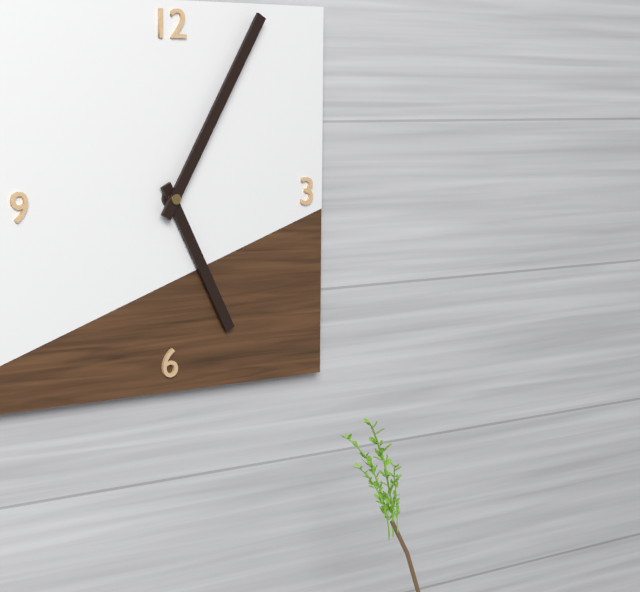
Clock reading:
**5:05**
